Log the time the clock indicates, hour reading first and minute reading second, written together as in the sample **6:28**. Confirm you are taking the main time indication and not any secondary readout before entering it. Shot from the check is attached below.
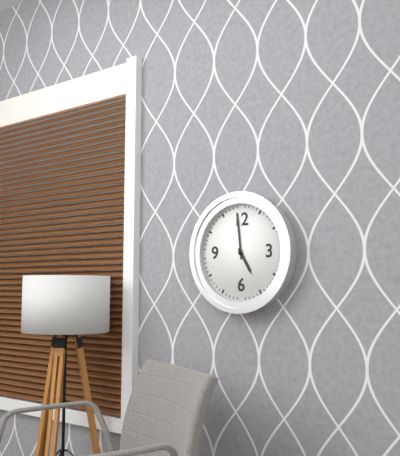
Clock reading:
**4:59**
